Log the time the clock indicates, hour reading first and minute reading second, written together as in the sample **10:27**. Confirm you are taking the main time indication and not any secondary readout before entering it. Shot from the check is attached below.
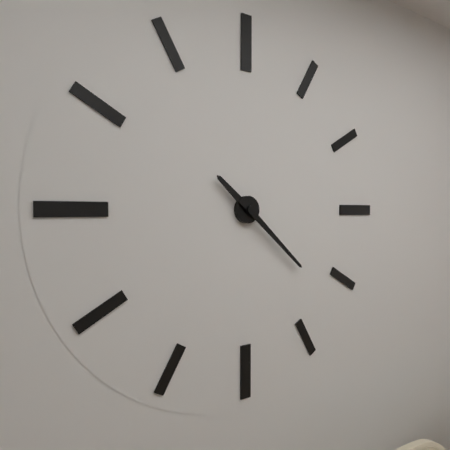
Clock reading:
**10:22**
